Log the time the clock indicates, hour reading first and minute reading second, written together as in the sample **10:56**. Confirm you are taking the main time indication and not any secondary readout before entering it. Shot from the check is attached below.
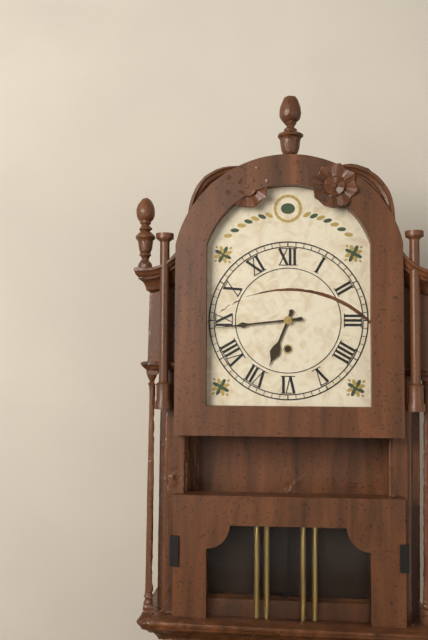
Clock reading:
**6:44**
